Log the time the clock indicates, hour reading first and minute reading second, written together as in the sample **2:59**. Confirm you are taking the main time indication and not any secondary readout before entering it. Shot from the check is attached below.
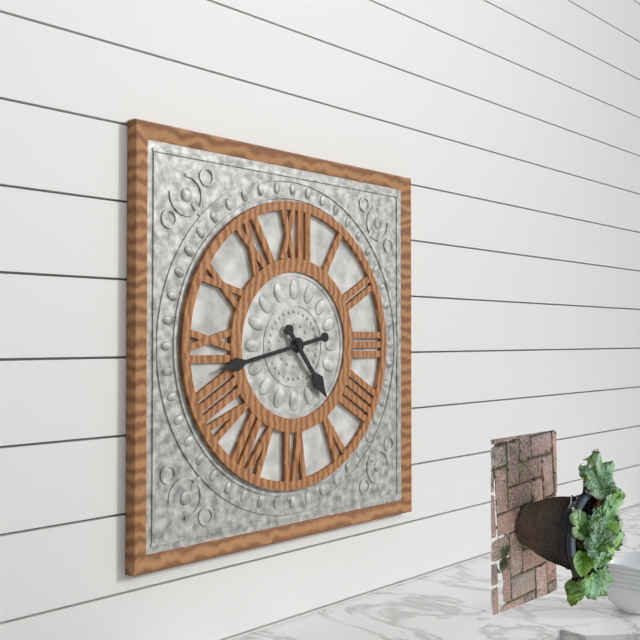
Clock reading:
**4:43**
